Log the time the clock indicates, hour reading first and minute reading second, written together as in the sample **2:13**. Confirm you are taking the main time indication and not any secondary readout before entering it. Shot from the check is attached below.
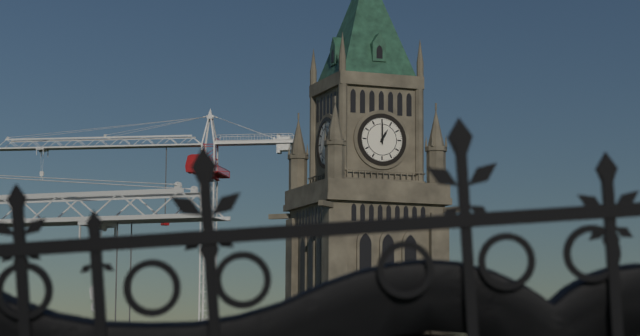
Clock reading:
**1:00**
